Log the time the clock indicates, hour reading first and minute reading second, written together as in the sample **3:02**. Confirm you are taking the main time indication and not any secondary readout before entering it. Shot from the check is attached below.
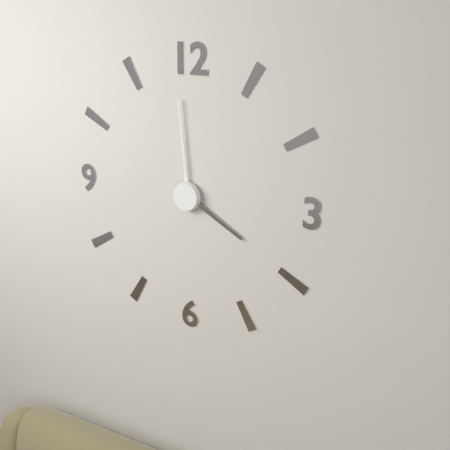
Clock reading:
**3:59**
